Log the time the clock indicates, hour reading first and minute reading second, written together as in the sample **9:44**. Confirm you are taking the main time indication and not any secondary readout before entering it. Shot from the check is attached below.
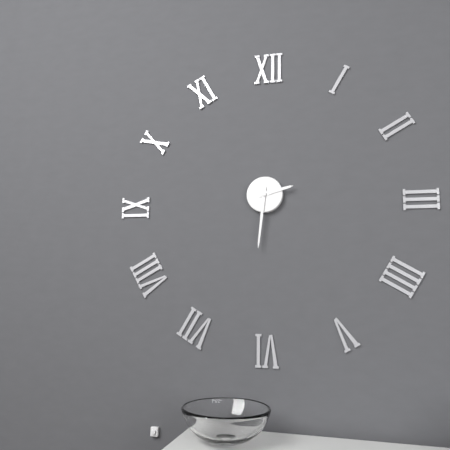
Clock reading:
**2:31**
